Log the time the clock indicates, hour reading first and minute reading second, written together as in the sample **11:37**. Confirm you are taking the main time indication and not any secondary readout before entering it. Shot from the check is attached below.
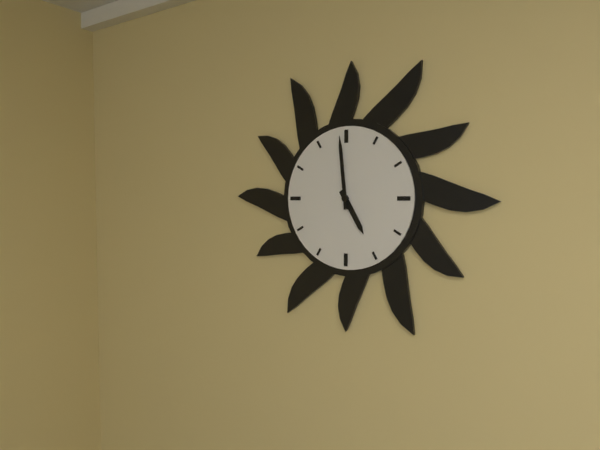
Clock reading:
**4:59**
